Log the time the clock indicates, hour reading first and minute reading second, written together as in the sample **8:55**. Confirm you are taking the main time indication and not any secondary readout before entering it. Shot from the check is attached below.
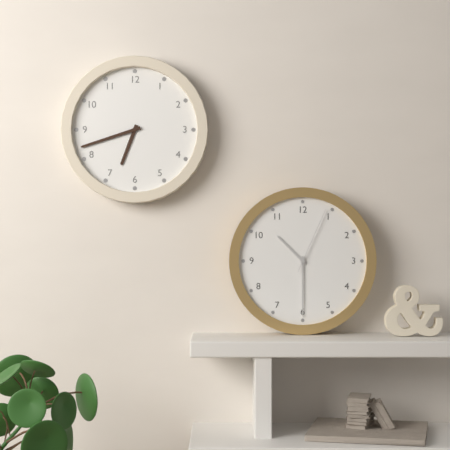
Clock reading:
**6:42**
